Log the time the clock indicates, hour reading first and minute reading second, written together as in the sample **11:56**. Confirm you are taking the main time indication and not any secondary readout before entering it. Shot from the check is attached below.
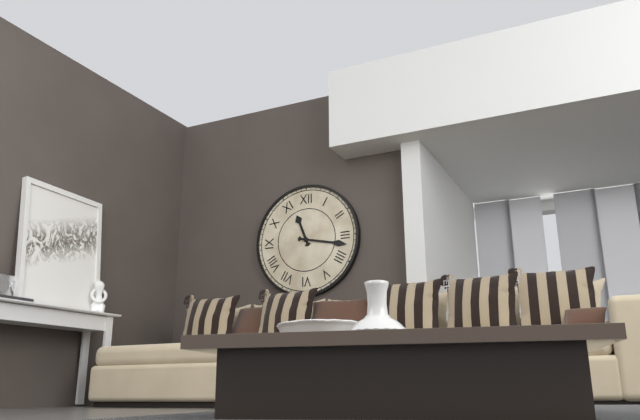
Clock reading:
**11:17**
